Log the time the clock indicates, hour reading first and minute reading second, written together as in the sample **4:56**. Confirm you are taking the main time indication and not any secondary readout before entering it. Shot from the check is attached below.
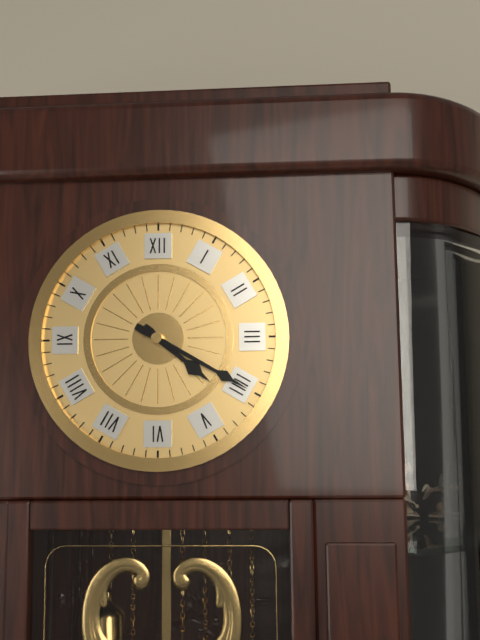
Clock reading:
**4:20**
